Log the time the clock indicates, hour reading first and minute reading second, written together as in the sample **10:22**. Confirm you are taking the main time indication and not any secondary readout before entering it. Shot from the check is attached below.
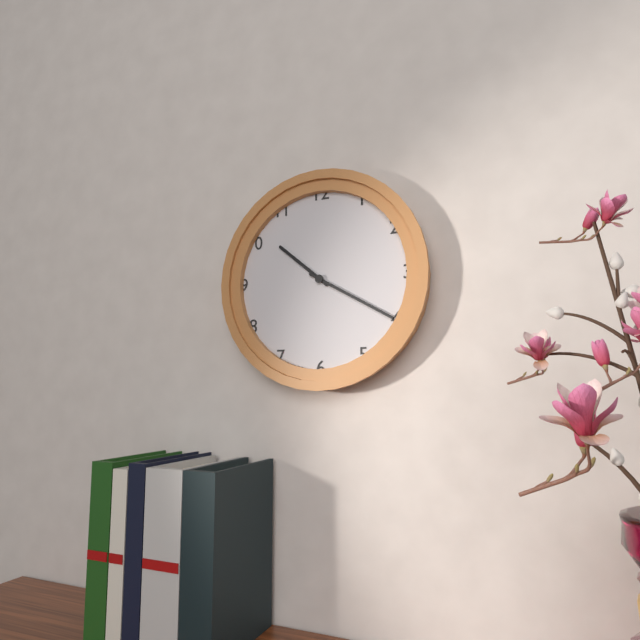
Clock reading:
**10:20**
